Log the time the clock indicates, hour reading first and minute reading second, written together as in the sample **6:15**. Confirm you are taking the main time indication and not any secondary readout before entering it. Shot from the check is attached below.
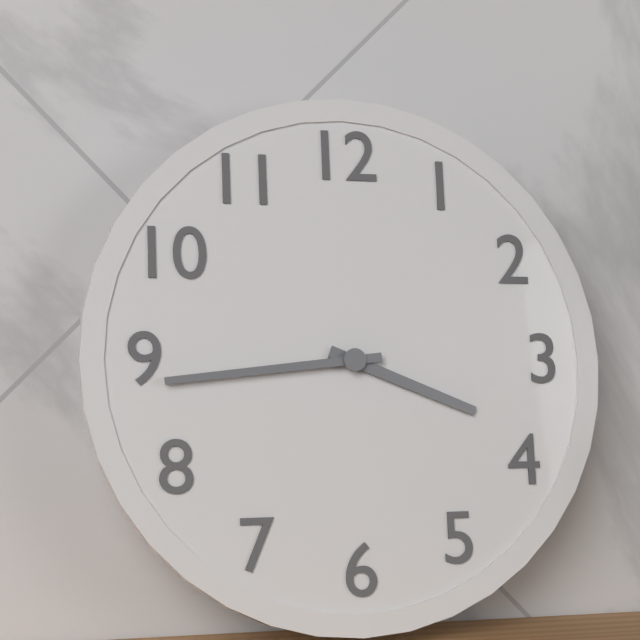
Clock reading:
**3:44**
